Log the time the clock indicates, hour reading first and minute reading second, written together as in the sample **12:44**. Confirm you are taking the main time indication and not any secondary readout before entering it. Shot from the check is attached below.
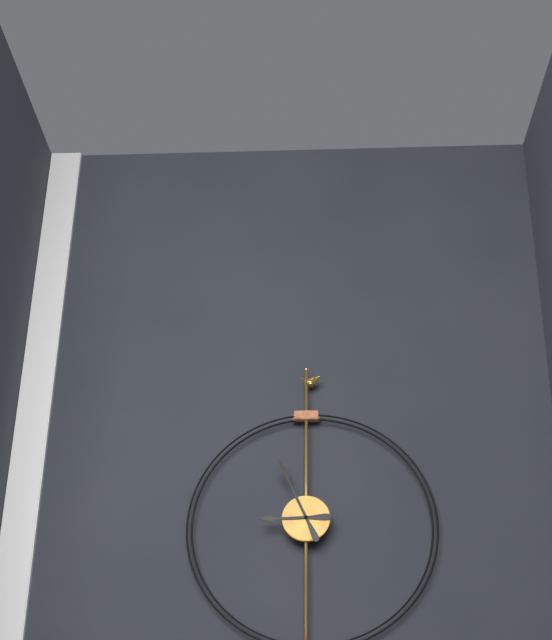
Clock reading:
**8:56**
